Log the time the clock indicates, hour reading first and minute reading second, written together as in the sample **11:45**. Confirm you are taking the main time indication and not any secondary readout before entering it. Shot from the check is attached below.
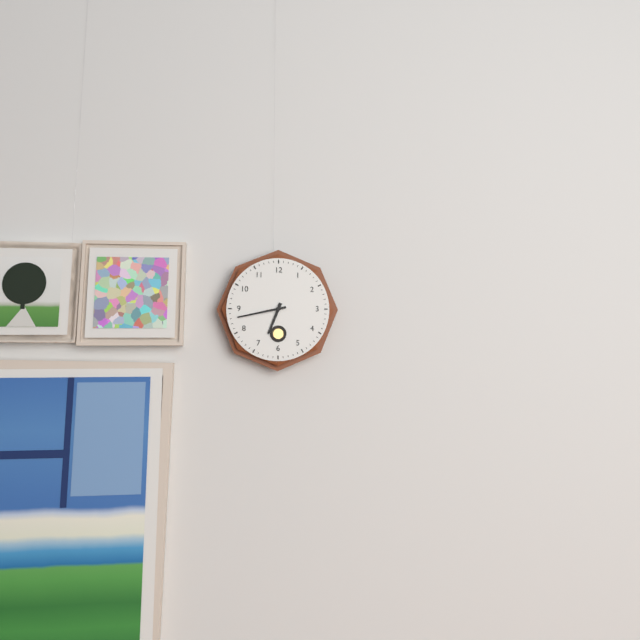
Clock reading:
**6:43**
